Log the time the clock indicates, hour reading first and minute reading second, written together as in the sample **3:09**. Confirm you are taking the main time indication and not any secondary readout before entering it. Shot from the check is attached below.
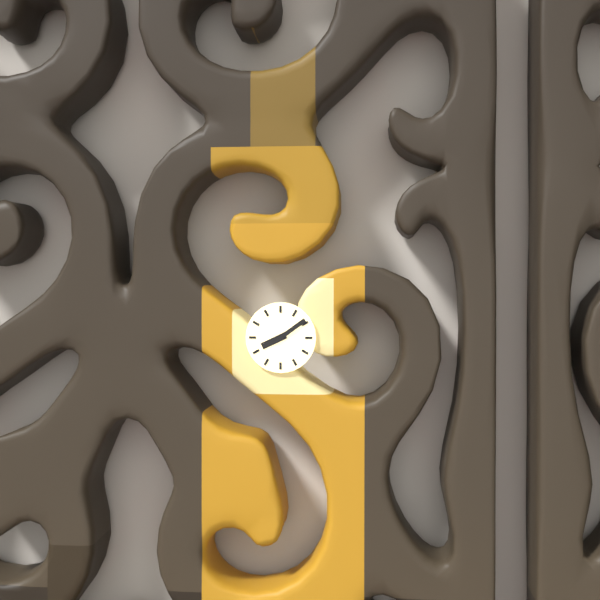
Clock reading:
**8:09**
